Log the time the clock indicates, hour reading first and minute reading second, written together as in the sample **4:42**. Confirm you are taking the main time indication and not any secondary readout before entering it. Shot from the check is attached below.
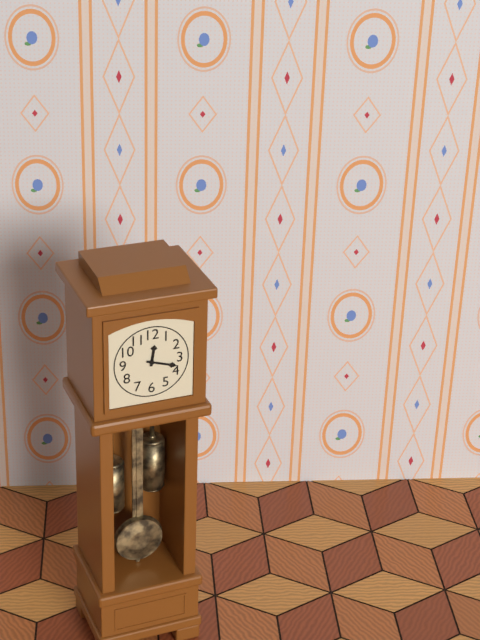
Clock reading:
**12:18**
